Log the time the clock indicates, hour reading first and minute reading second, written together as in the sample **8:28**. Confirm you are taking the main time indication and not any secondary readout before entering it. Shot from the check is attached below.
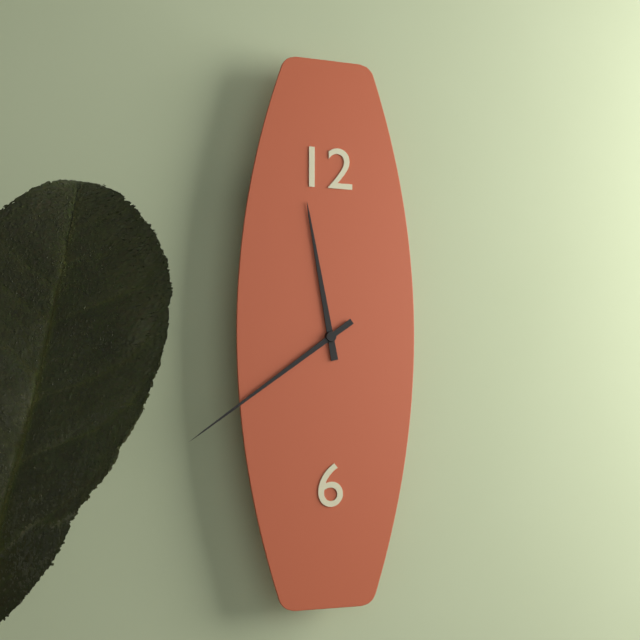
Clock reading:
**11:39**
